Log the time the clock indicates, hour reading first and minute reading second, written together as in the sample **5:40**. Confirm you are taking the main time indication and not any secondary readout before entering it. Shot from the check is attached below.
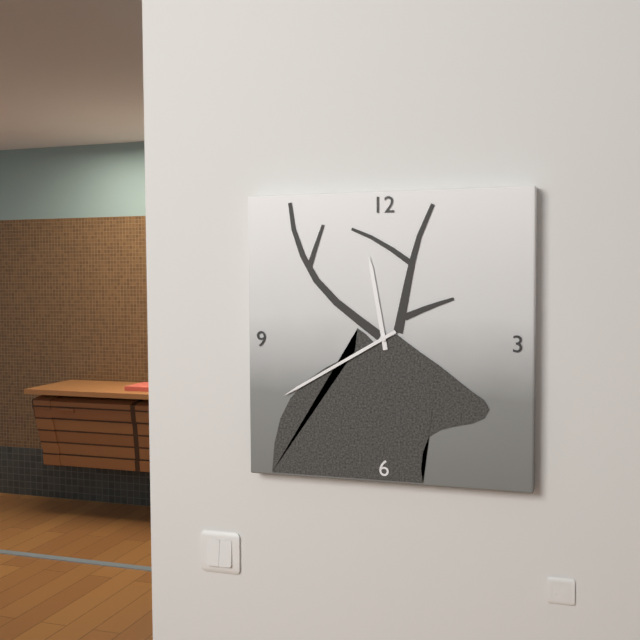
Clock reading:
**11:40**
